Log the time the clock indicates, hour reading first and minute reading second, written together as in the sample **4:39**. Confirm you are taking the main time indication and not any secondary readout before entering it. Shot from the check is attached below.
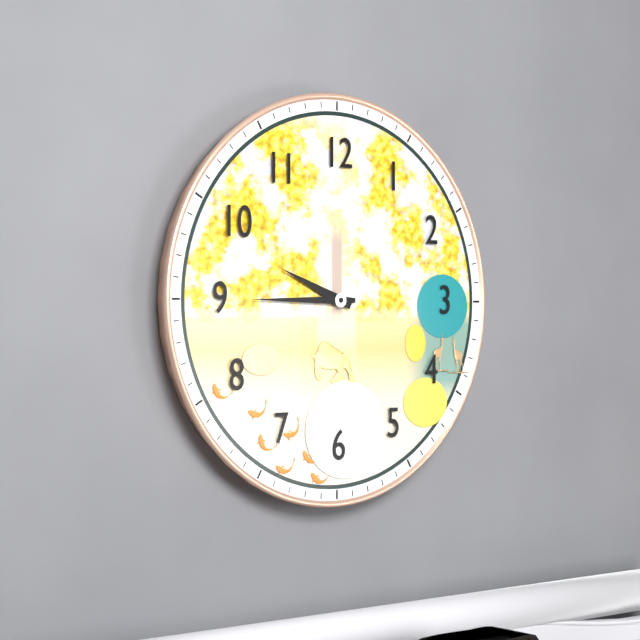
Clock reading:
**9:45**
